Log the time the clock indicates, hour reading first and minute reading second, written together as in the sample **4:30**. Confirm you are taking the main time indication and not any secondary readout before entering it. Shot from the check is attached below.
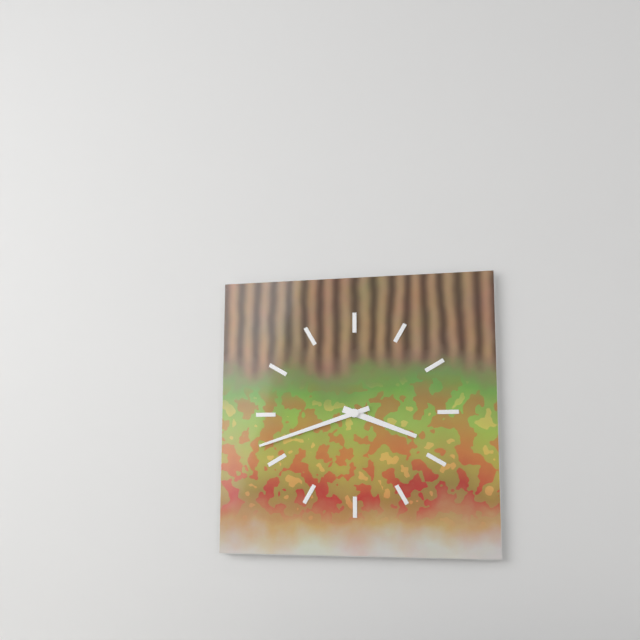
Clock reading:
**3:42**
